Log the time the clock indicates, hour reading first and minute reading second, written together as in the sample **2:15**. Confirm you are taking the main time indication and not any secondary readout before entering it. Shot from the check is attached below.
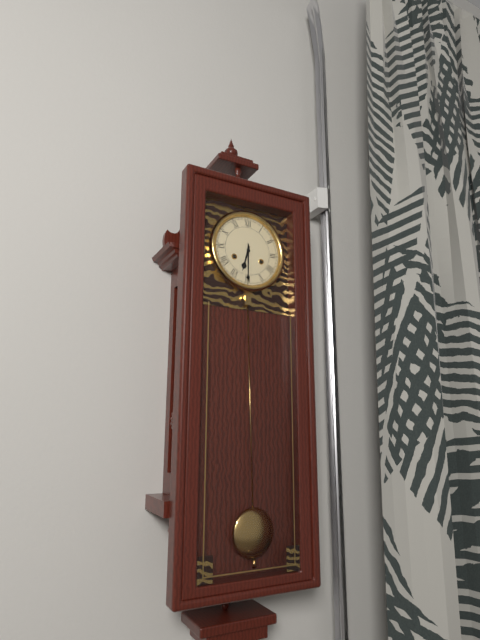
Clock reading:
**6:30**
